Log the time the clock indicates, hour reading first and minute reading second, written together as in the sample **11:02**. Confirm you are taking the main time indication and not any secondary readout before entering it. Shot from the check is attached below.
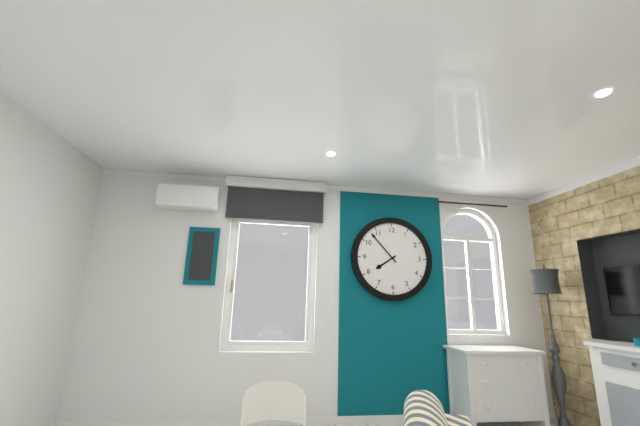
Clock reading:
**7:53**
